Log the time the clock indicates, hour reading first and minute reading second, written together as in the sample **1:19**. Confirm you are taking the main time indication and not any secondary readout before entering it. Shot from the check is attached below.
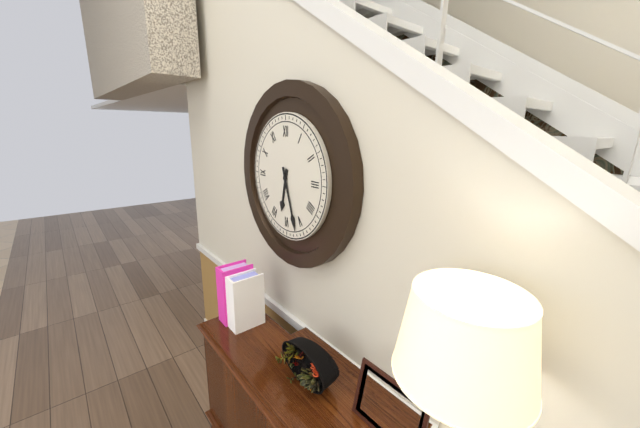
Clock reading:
**6:27**
